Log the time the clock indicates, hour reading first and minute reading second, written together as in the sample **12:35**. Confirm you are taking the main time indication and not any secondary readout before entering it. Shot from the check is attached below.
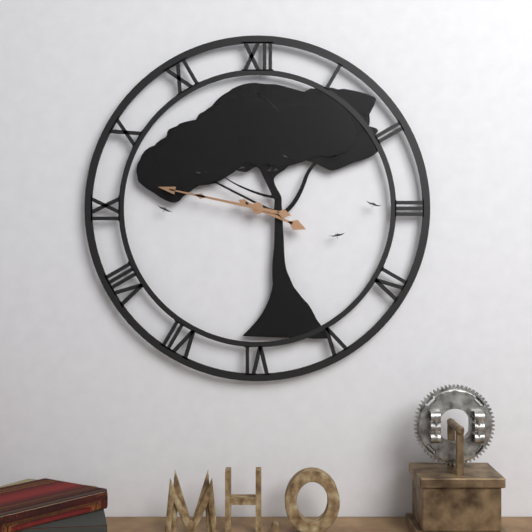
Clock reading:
**3:47**
